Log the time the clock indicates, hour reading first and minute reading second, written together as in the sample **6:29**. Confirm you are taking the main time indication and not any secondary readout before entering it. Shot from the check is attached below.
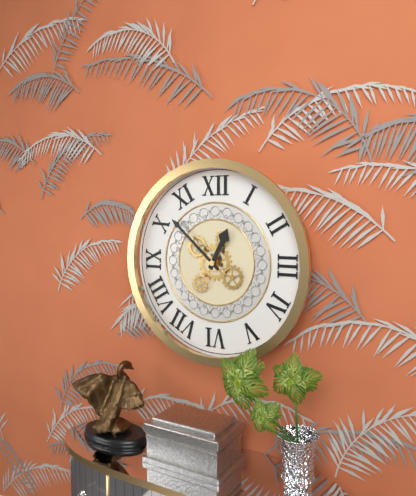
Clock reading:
**12:52**
